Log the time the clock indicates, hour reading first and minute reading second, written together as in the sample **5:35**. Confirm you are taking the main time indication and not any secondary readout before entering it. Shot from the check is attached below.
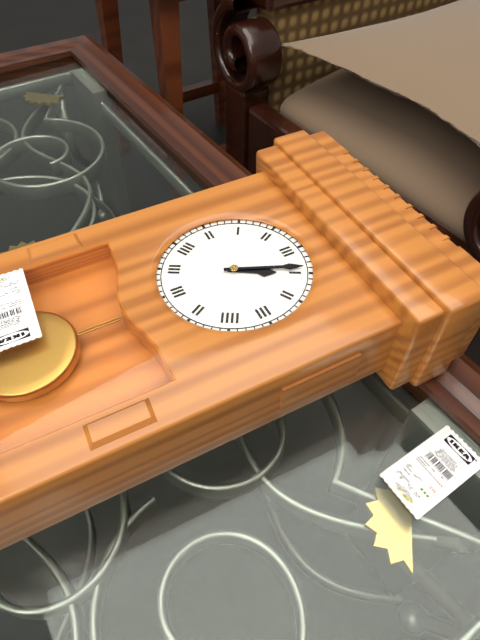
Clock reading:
**1:04**
